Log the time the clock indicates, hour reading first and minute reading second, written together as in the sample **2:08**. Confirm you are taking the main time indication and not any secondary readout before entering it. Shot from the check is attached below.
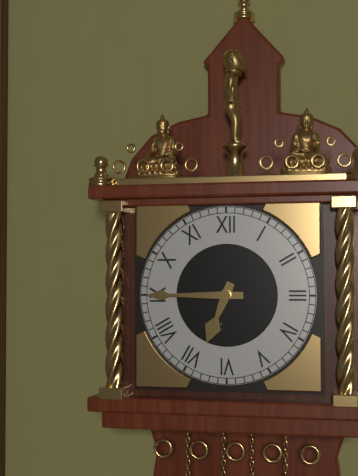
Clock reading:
**6:45**
